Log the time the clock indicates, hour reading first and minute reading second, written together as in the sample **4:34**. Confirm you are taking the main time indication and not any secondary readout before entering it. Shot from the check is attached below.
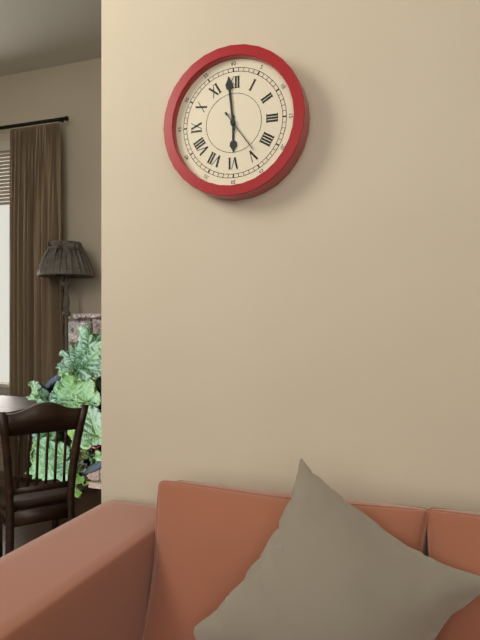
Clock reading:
**5:59**
